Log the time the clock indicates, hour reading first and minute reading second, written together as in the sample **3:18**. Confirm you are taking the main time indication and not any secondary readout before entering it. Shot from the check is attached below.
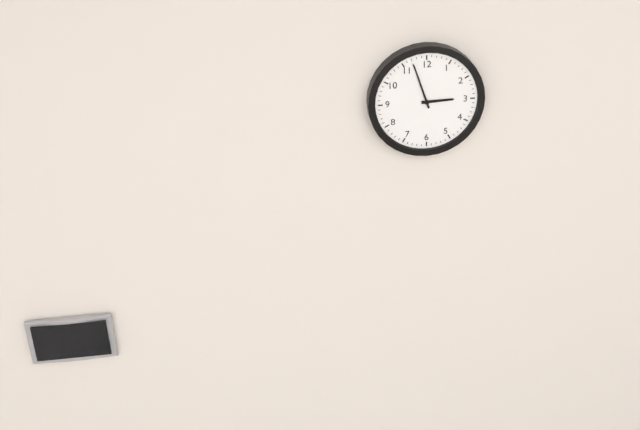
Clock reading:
**2:57**
